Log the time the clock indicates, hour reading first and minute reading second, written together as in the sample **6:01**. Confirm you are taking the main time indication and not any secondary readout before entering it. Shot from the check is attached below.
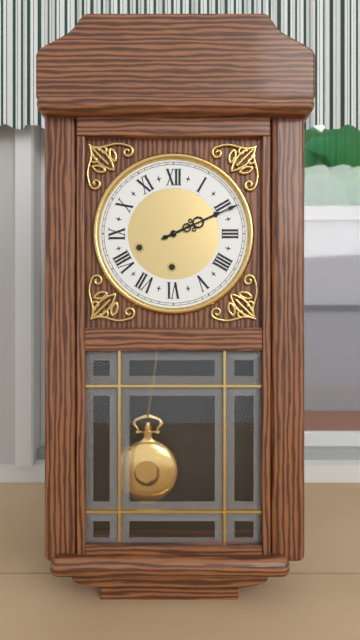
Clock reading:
**2:11**
